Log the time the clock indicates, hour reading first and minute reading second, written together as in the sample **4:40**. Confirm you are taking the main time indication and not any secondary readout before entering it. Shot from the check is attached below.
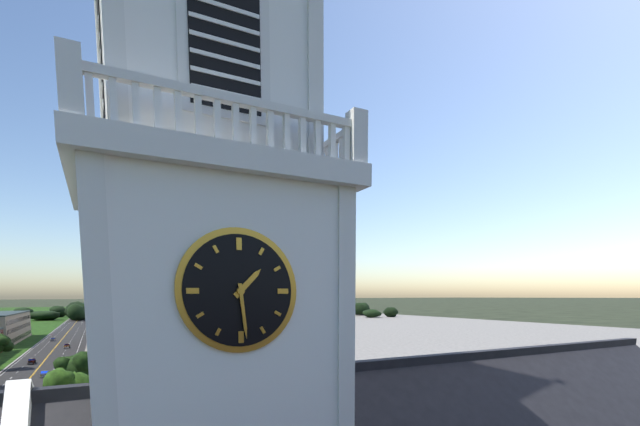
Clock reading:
**1:29**
